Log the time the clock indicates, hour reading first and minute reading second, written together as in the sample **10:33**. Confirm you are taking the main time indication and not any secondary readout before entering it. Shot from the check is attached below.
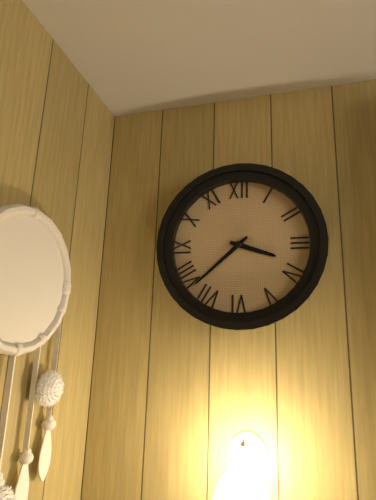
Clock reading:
**3:38**
